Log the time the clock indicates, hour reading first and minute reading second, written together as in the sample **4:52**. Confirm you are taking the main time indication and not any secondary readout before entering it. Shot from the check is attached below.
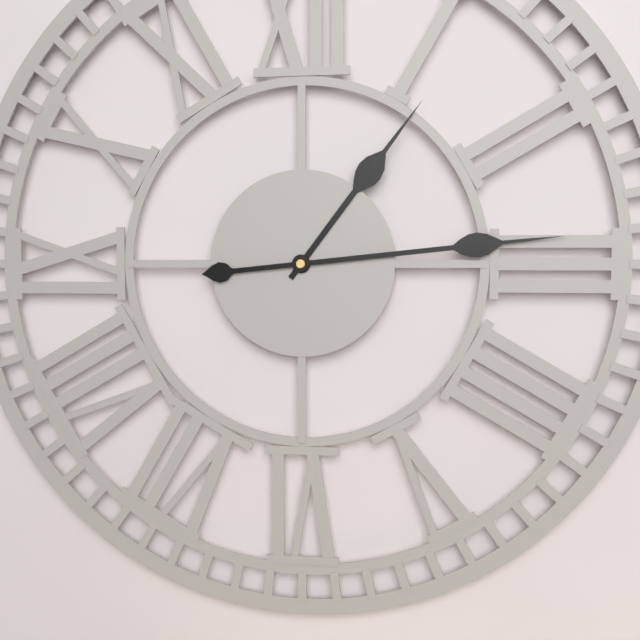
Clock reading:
**1:14**
